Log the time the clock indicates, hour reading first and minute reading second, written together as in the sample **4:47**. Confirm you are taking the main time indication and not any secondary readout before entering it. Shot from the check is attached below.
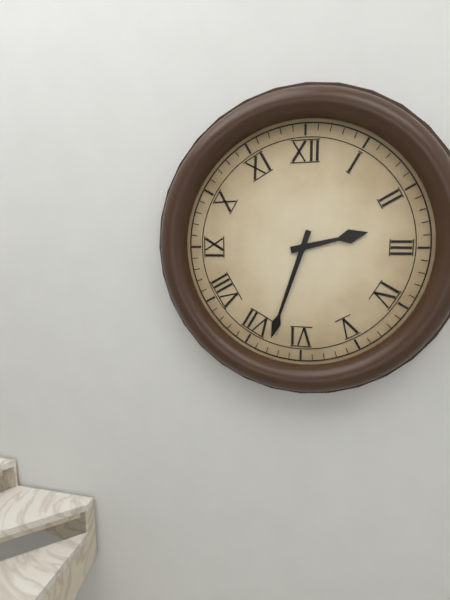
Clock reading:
**2:33**
